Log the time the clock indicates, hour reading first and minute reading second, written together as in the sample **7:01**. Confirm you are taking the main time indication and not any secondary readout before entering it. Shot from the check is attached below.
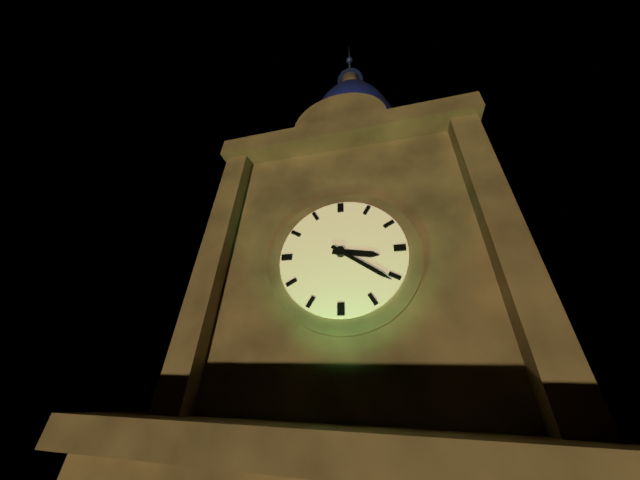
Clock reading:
**3:21**
